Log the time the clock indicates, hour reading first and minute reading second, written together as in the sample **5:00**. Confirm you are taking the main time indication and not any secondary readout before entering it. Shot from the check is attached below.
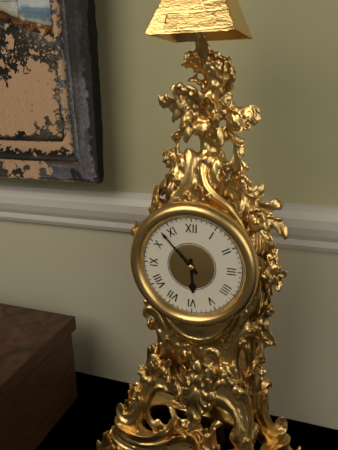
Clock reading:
**5:53**
